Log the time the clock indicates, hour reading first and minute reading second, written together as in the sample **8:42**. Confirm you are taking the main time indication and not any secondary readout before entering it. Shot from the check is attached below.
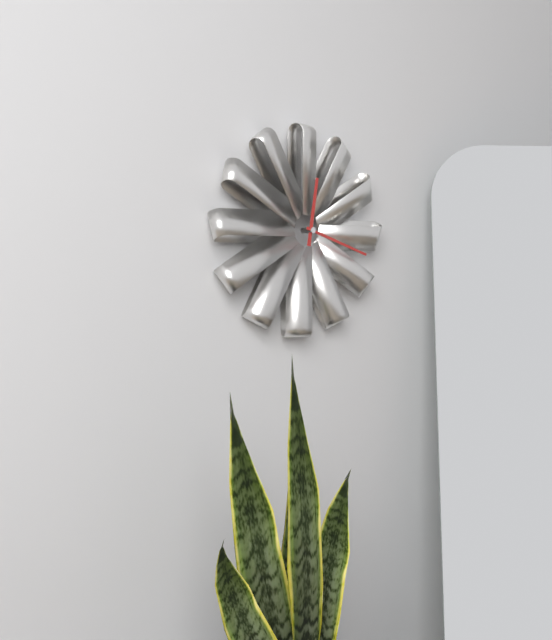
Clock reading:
**12:18**
